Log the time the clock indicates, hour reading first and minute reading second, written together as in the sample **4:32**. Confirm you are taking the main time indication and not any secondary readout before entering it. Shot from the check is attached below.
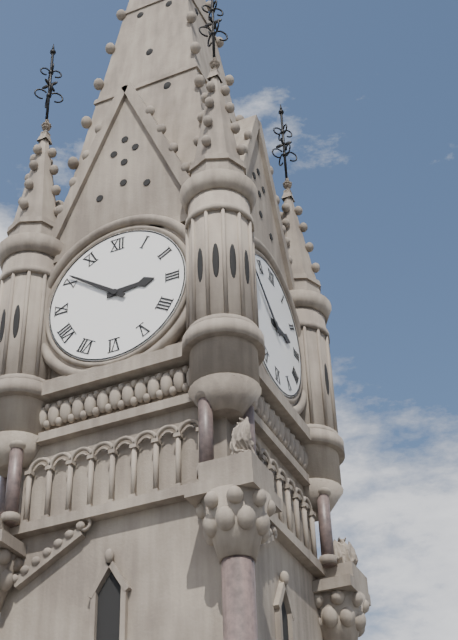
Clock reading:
**2:51**
